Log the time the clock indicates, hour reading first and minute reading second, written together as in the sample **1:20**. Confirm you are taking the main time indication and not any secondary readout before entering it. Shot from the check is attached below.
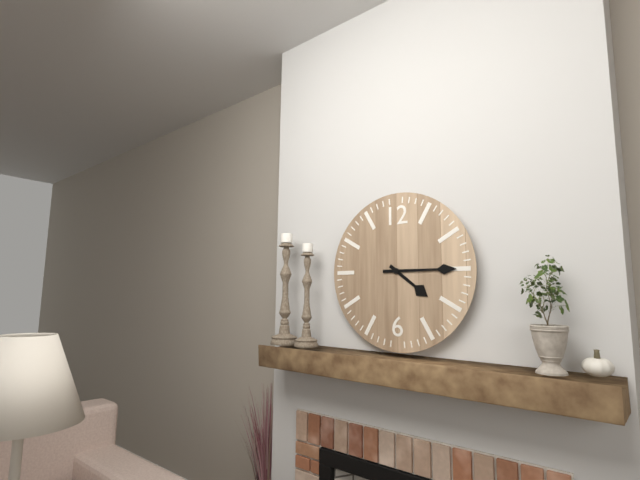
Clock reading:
**4:15**
